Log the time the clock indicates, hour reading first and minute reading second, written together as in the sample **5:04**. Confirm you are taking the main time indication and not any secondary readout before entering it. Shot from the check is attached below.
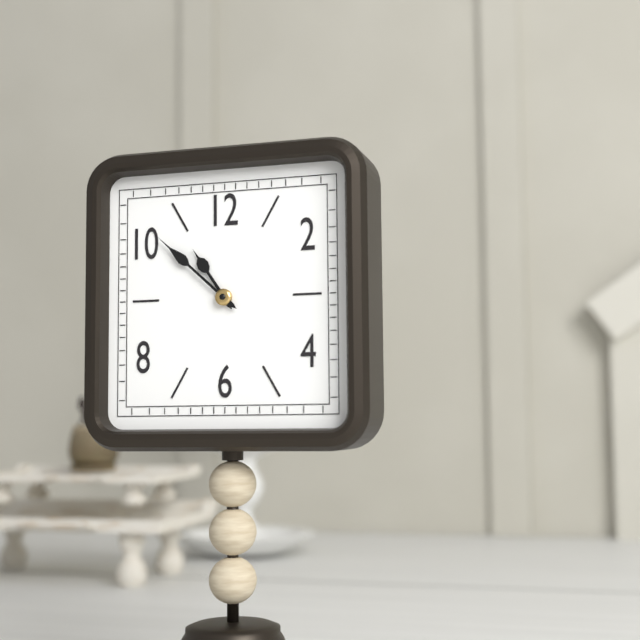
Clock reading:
**10:52**
